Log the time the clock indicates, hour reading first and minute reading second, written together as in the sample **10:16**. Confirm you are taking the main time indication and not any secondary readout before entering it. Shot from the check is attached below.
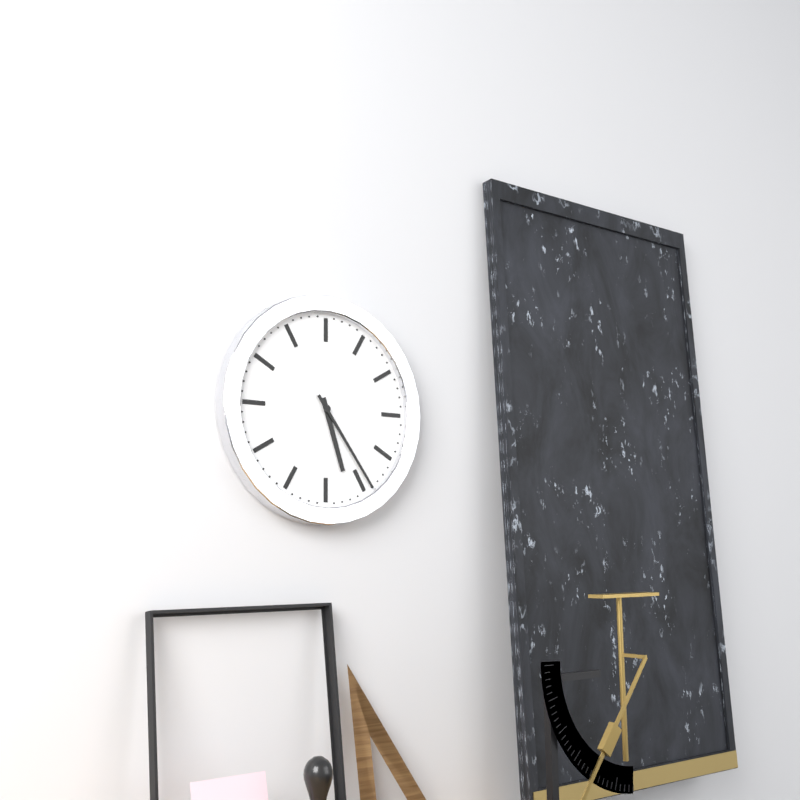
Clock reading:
**5:24**
